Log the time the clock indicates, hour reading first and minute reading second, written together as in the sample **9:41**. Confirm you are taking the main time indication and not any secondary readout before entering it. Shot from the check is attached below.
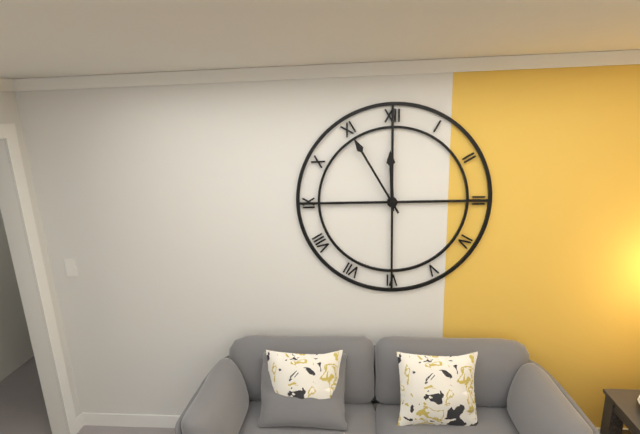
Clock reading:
**11:55**
